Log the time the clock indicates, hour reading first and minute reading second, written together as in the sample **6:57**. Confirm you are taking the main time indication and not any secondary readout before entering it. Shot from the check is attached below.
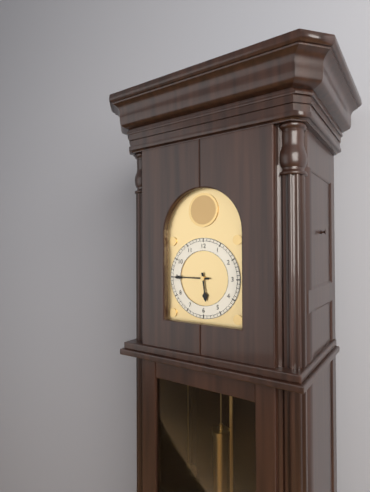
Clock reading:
**5:45**
